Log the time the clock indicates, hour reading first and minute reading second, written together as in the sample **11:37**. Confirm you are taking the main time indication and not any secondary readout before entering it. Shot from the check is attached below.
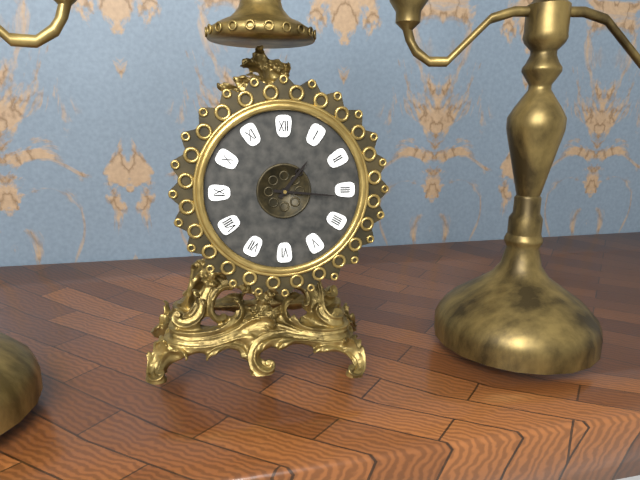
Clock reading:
**1:16**
